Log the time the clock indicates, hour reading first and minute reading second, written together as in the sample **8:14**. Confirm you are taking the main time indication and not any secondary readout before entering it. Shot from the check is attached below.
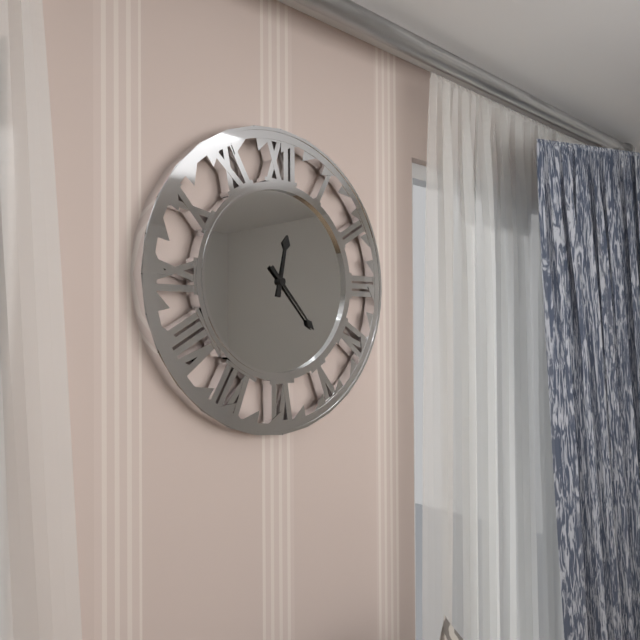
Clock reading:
**12:23**
